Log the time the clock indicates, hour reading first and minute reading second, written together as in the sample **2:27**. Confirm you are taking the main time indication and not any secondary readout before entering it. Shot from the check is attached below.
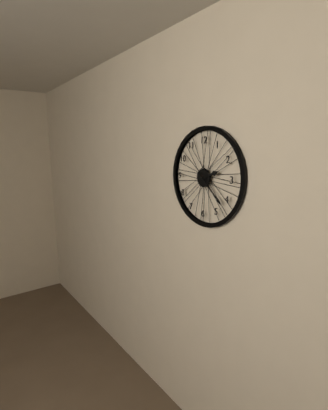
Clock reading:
**2:22**
